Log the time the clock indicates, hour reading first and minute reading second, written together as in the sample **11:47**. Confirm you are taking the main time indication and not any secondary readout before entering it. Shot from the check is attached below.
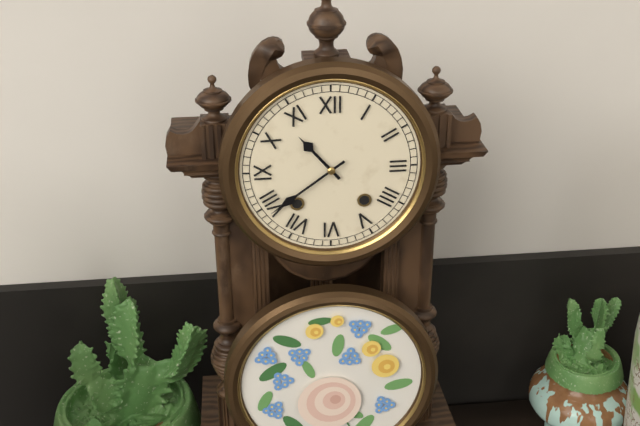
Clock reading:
**10:39**
